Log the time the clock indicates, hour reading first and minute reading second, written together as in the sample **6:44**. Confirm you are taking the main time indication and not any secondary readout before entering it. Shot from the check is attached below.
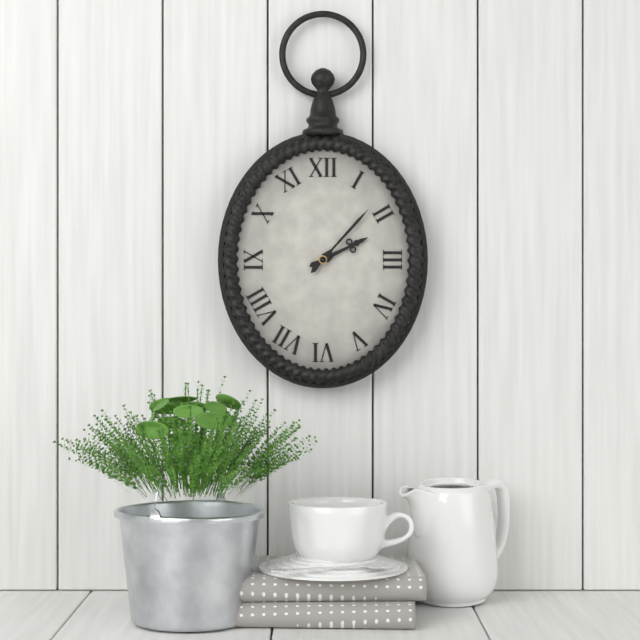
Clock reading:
**2:07**
